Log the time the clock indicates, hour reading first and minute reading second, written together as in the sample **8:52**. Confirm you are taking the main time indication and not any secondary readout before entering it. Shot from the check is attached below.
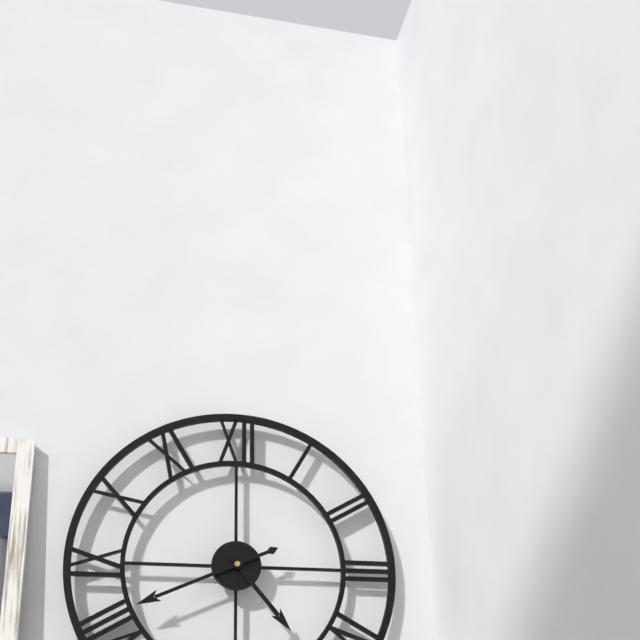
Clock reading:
**4:41**
